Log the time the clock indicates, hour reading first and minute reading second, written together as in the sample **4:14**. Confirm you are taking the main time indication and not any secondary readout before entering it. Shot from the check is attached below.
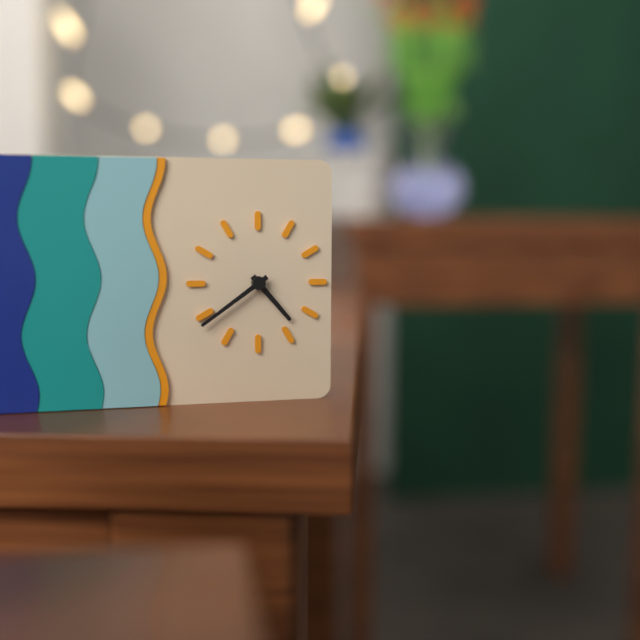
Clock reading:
**4:39**
